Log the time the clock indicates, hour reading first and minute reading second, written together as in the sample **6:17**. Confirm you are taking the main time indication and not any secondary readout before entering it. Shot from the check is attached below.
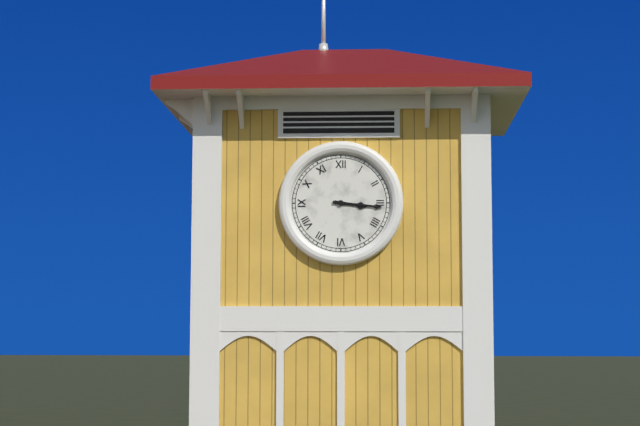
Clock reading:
**3:16**
